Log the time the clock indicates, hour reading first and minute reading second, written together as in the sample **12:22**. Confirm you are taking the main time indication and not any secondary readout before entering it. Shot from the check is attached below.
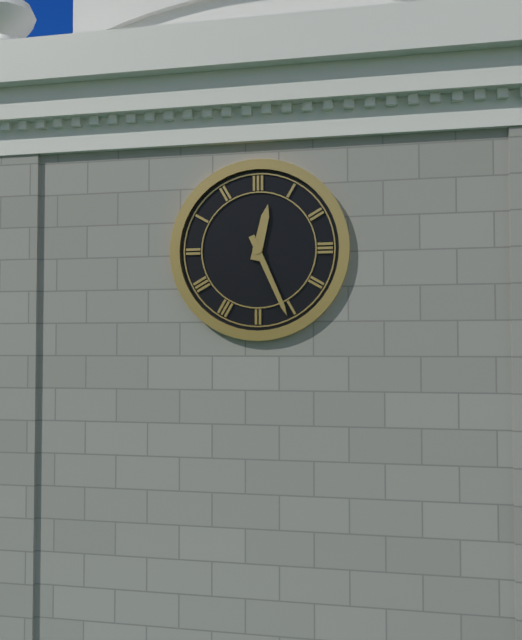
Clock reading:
**12:26**
